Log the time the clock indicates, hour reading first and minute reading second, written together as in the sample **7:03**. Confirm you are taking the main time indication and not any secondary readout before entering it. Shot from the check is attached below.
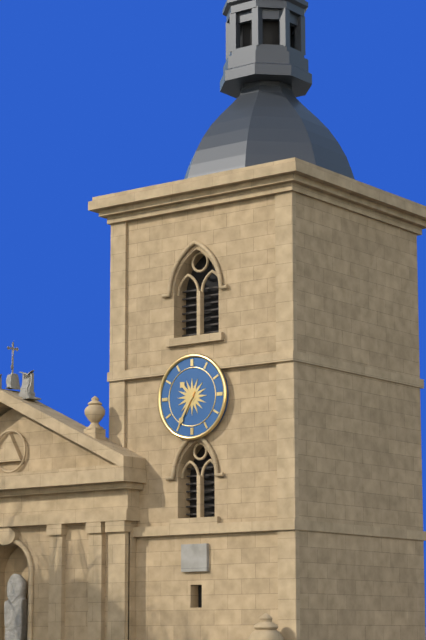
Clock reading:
**10:35**
